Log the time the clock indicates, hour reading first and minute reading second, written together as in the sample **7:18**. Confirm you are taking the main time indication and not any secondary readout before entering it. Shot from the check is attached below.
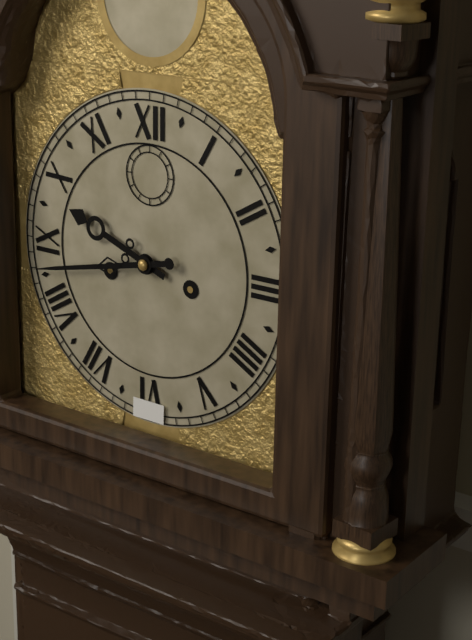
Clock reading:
**9:43**
